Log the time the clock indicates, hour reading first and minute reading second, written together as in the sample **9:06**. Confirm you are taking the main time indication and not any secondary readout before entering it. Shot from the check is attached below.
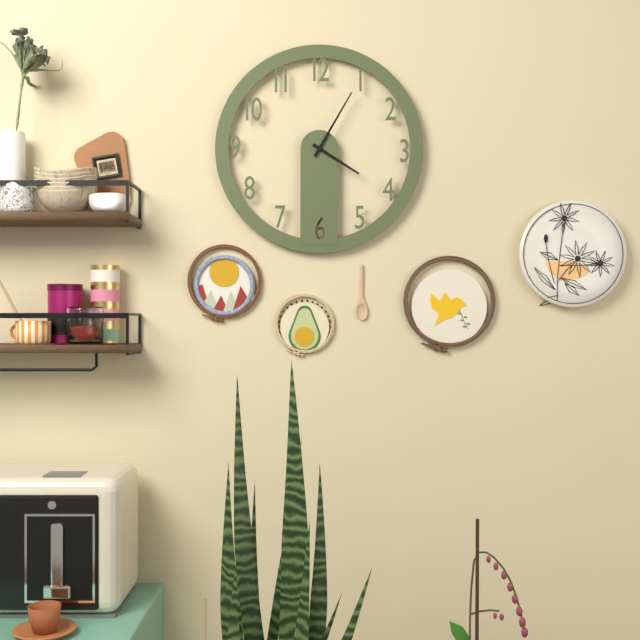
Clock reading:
**4:05**
